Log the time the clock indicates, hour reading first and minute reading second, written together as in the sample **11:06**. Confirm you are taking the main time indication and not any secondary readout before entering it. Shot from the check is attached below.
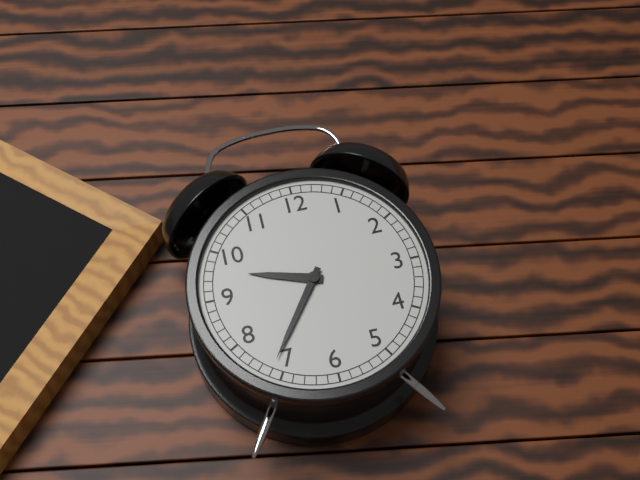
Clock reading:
**9:36**
